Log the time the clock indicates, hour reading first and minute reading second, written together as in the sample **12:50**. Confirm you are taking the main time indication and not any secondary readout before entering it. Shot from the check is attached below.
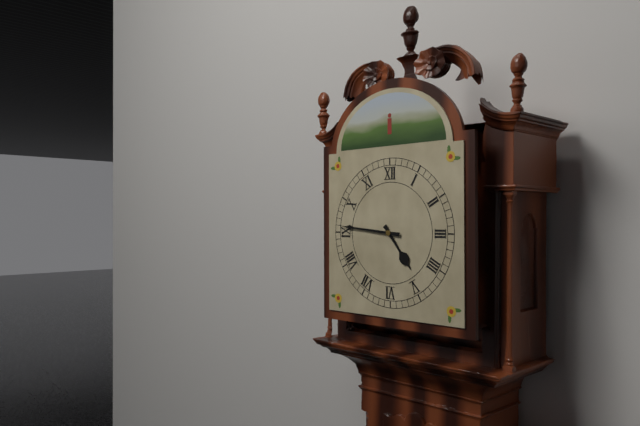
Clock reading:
**4:46**
